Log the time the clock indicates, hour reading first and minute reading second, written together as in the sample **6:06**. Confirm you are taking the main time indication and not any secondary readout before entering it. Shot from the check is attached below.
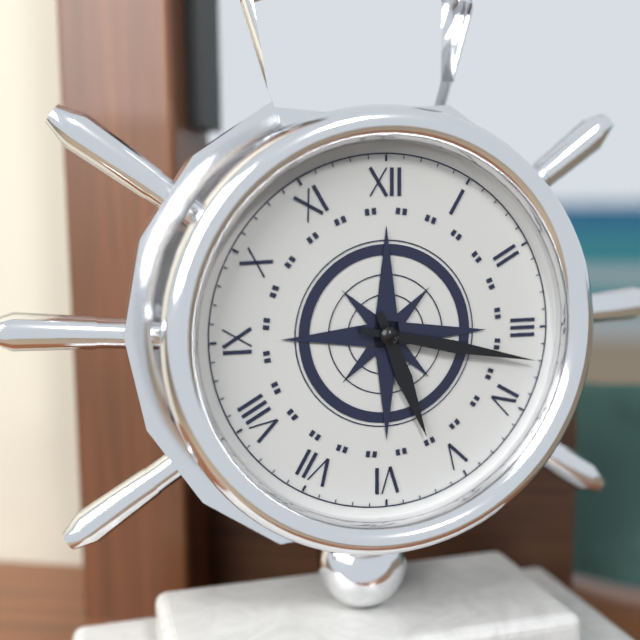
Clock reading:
**5:17**
